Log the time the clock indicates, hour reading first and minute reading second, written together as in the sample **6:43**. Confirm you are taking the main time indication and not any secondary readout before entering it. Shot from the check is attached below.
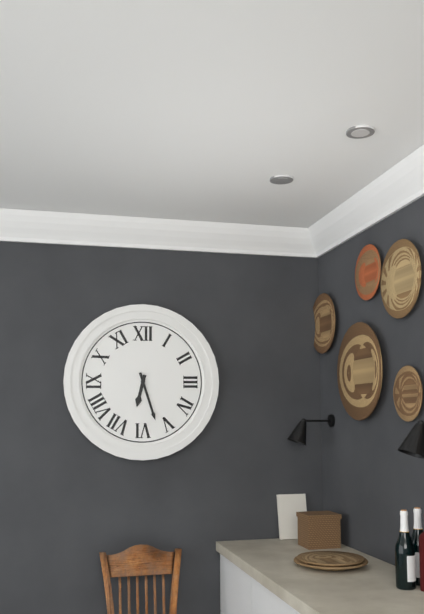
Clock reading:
**6:27**
